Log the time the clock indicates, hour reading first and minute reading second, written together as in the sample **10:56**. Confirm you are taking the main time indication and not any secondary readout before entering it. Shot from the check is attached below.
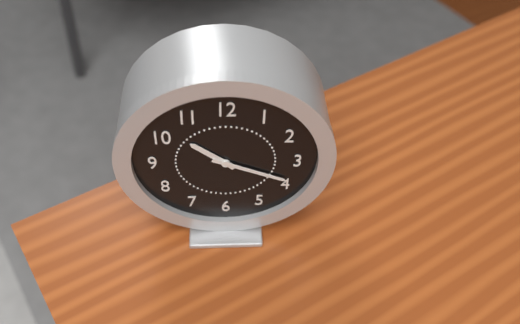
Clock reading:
**10:19**
